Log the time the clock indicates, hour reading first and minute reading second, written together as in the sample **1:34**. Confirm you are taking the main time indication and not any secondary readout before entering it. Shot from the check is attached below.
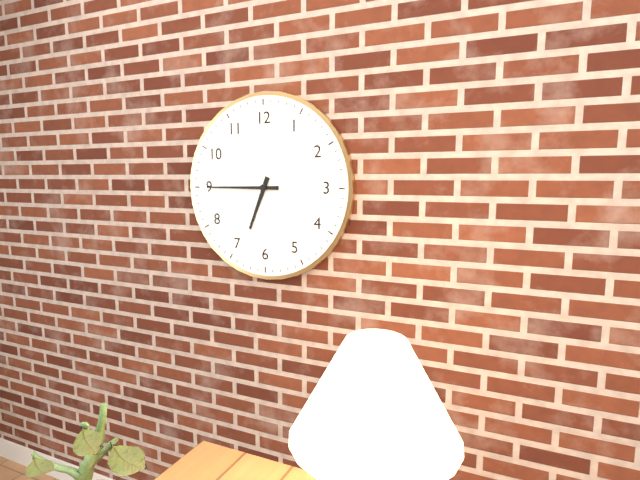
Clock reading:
**6:45**
